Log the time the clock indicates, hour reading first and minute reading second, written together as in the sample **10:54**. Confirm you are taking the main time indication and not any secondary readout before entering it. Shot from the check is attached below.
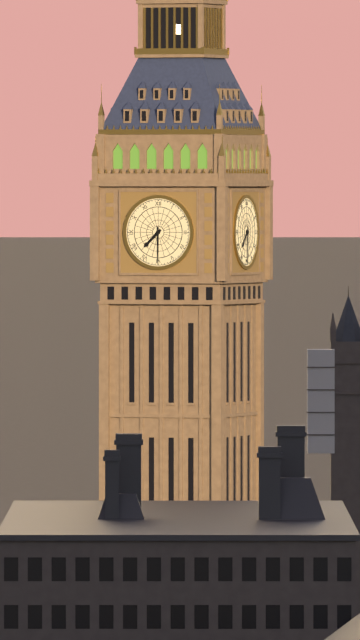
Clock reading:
**7:30**
